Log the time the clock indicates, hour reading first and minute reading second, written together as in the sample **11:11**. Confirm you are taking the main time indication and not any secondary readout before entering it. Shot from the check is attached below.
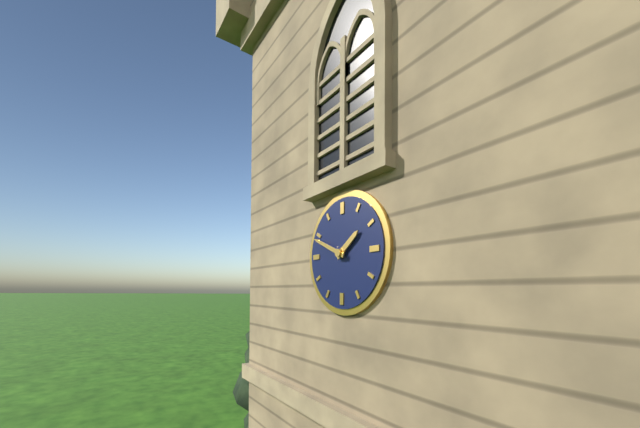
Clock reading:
**1:49**
